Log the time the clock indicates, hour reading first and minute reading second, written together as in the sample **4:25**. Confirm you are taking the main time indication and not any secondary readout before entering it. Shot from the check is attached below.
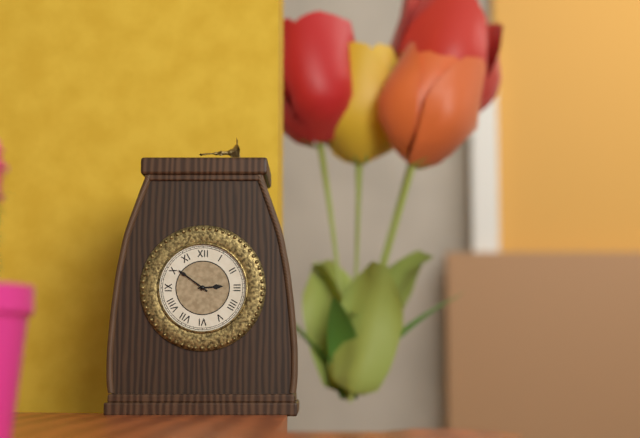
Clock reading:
**2:51**
